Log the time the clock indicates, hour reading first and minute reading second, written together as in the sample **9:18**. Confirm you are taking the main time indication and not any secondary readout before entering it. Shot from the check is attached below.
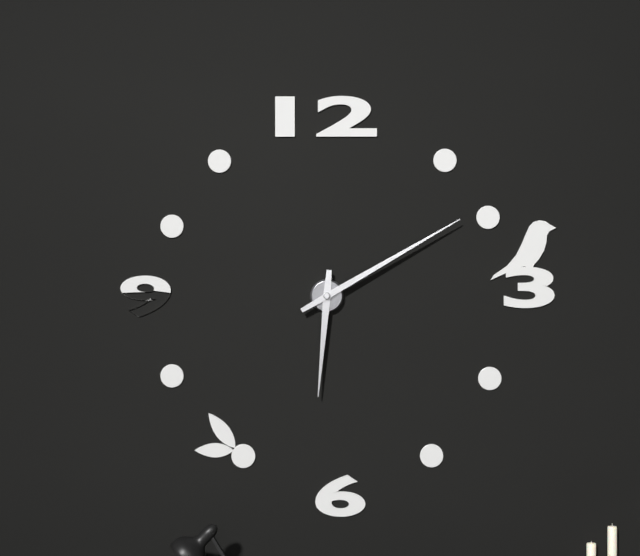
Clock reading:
**6:10**
